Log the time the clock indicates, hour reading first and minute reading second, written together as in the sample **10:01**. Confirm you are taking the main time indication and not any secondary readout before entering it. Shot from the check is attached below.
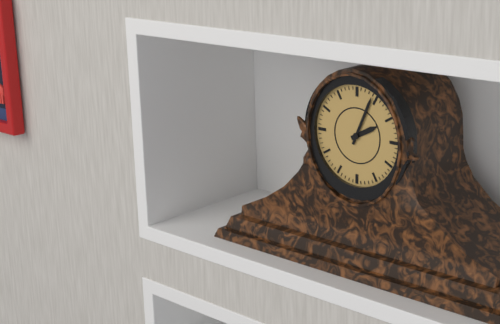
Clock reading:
**2:04**
